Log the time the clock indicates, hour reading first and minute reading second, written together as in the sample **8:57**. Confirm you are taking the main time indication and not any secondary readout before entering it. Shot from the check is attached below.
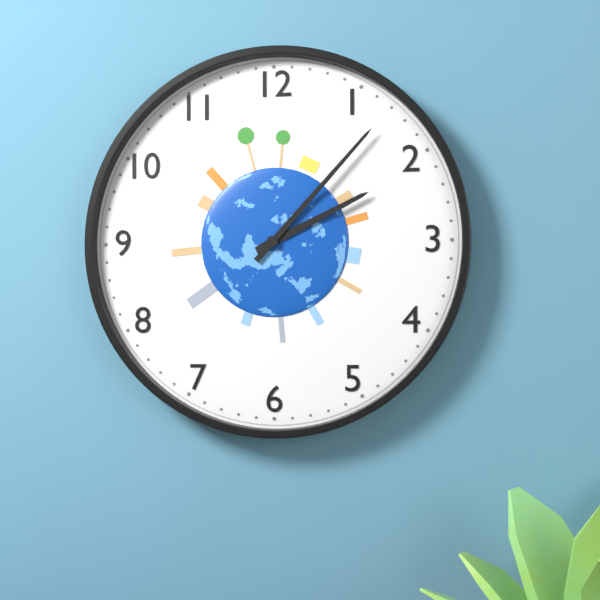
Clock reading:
**2:07**
